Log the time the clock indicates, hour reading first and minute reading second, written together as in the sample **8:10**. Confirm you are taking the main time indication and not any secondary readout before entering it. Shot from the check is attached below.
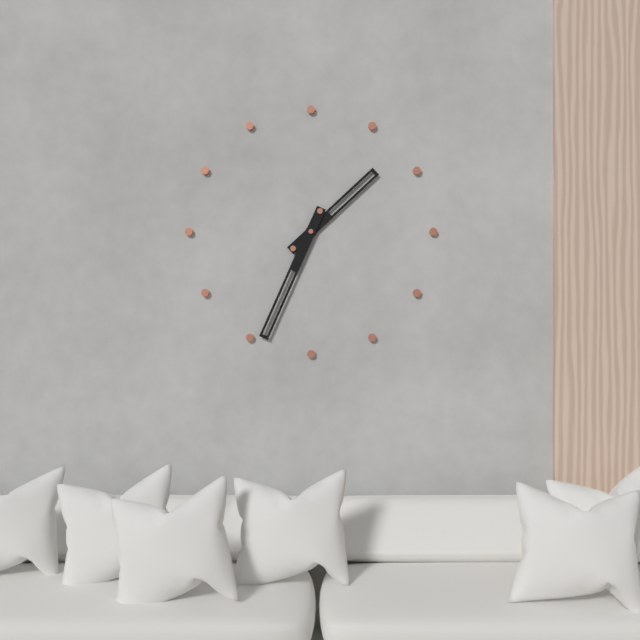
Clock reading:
**1:34**
